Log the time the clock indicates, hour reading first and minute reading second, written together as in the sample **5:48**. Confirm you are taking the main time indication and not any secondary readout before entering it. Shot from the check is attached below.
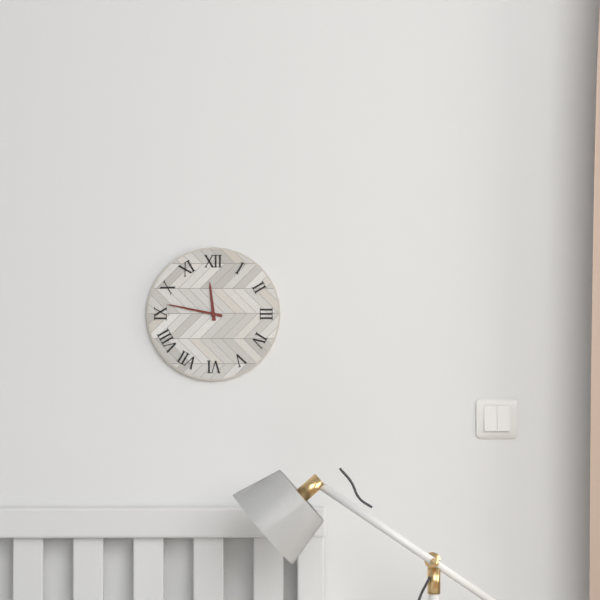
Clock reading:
**11:47**
